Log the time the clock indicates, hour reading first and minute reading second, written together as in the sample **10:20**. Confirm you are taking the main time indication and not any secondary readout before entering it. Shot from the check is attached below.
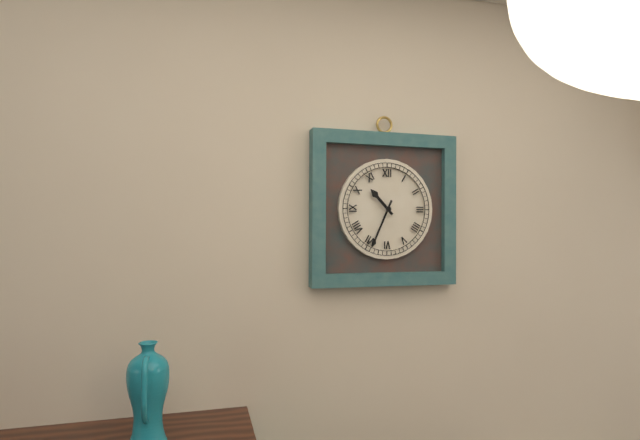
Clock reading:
**10:34**
